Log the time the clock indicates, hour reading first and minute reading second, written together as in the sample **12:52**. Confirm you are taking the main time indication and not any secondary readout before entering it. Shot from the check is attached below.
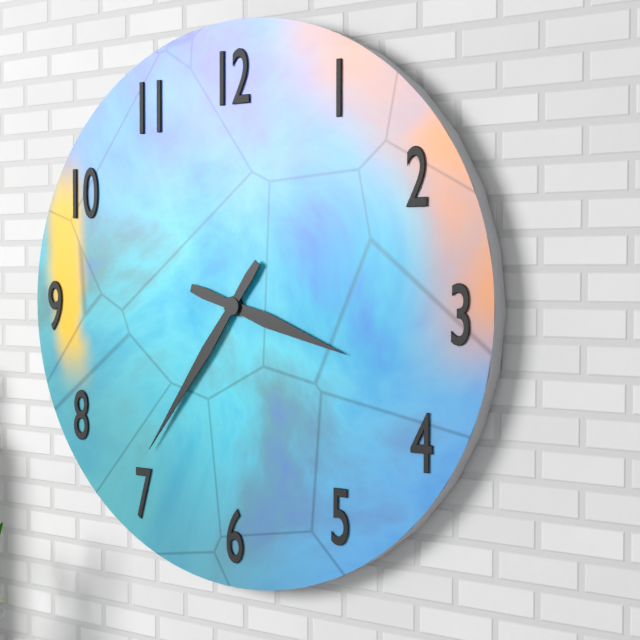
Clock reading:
**3:36**
